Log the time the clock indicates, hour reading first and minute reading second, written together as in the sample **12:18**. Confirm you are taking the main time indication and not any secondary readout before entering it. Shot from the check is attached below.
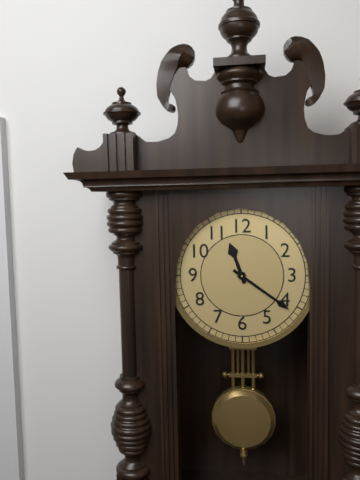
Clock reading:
**11:21**
